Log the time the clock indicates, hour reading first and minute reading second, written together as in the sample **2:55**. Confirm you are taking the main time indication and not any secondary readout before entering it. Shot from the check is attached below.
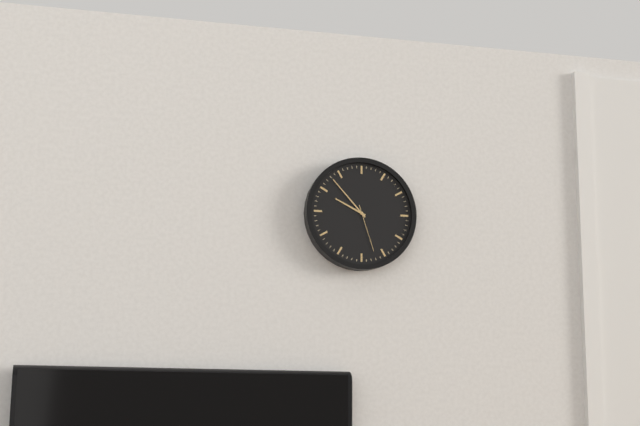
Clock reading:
**9:53**
